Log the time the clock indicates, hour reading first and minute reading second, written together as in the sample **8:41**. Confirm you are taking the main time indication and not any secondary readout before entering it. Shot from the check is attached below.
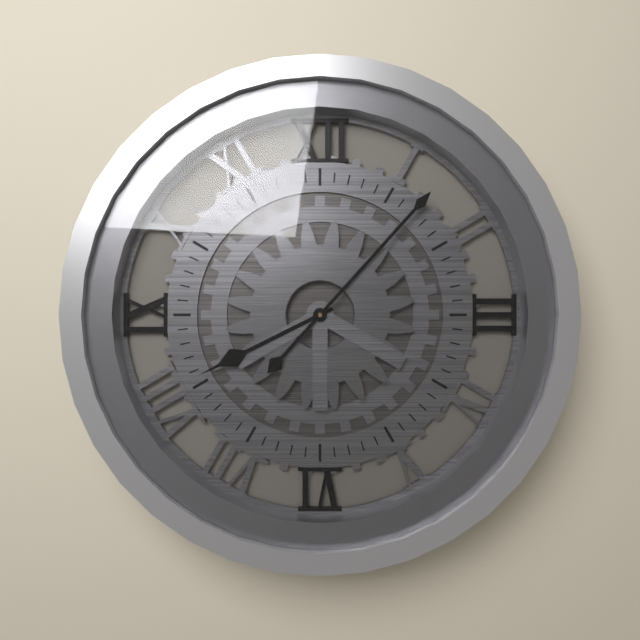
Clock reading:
**8:07**
